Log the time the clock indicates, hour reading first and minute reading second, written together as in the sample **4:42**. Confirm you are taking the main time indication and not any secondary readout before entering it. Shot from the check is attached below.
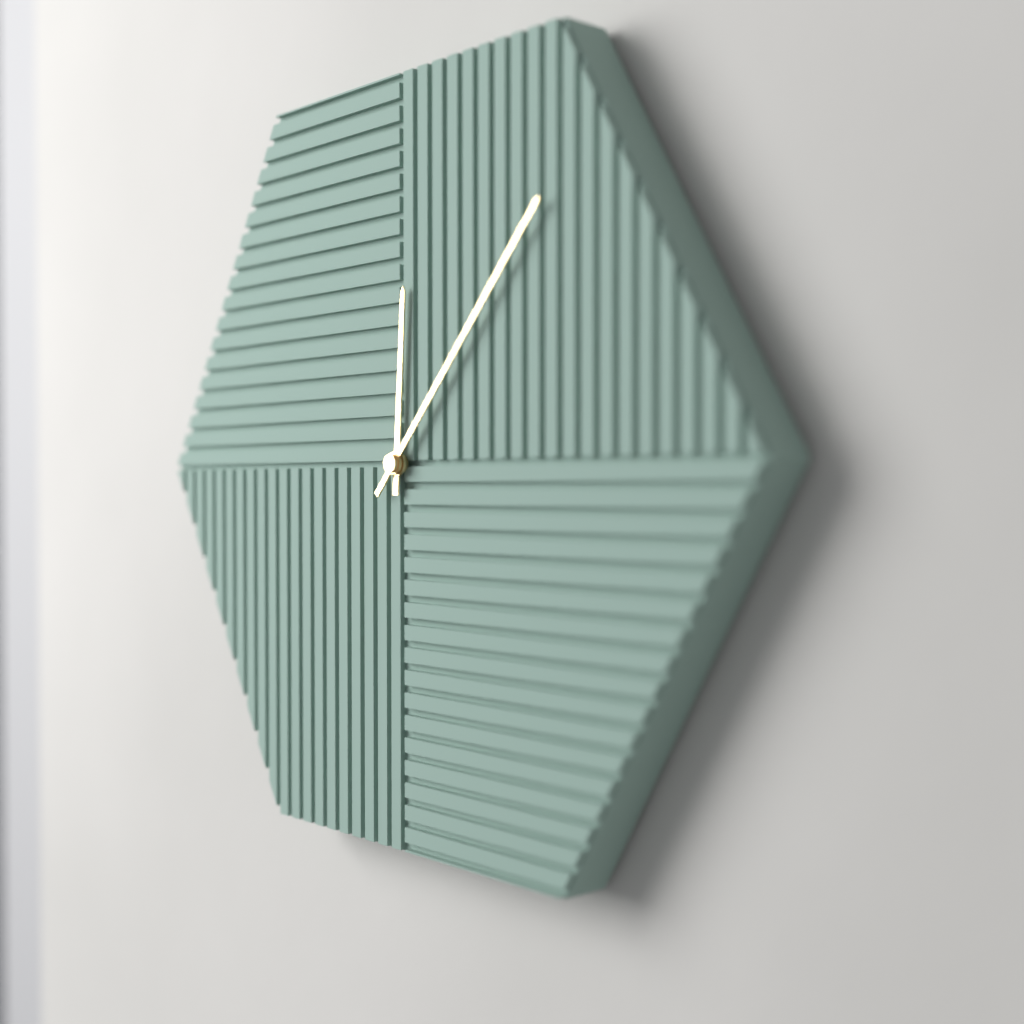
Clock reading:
**12:07**
